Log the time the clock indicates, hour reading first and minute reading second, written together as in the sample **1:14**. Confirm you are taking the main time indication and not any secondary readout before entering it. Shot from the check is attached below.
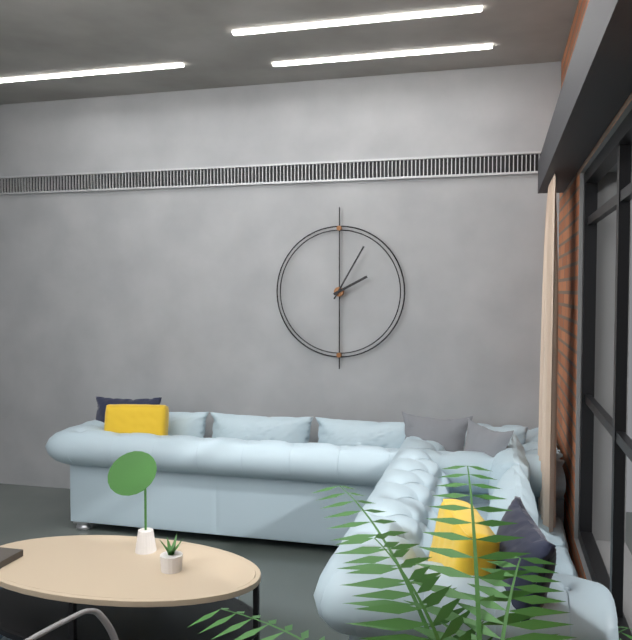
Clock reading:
**2:05**
